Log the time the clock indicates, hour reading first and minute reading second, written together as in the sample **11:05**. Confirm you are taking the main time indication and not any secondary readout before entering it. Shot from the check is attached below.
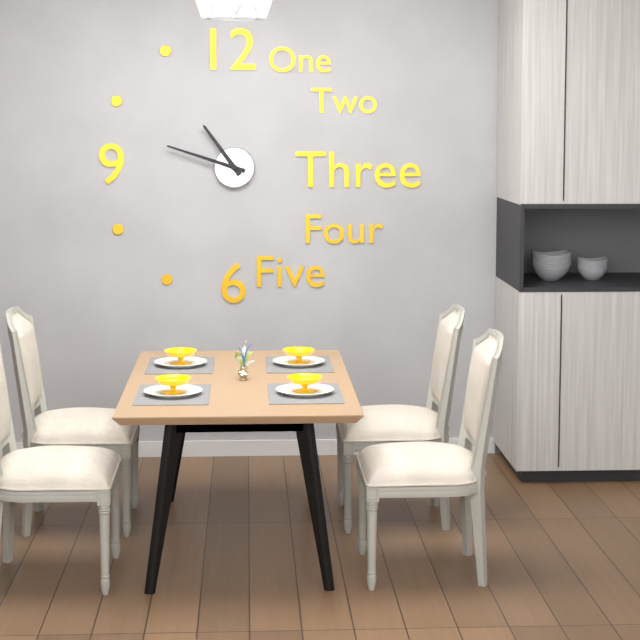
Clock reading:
**10:48**
